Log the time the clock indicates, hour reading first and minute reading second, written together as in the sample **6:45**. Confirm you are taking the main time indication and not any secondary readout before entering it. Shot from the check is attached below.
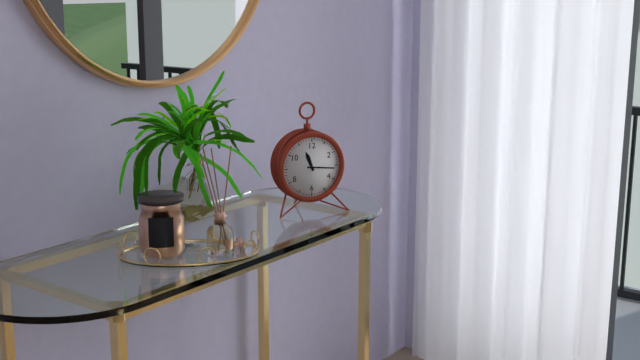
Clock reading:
**11:16**
